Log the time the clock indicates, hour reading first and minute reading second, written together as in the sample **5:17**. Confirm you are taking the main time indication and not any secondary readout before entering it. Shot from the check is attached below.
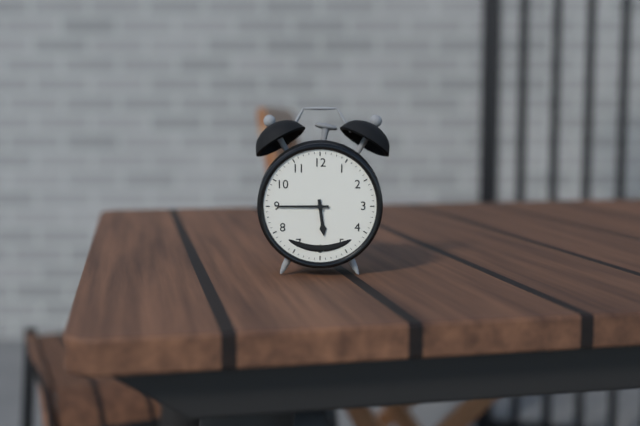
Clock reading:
**5:45**
